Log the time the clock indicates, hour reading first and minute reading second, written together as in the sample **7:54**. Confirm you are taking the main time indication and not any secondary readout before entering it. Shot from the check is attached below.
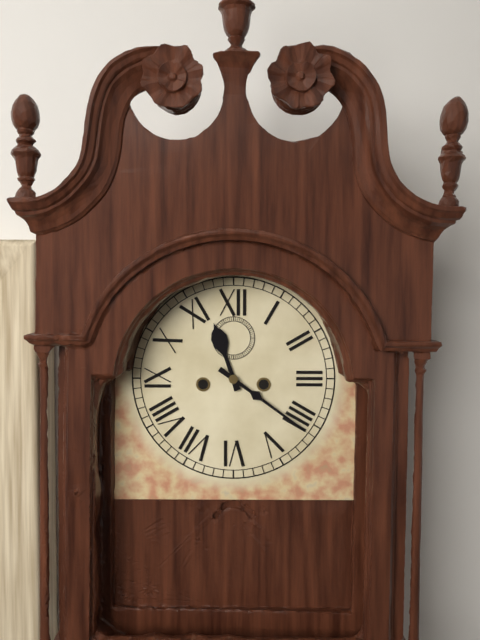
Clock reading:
**11:21**
